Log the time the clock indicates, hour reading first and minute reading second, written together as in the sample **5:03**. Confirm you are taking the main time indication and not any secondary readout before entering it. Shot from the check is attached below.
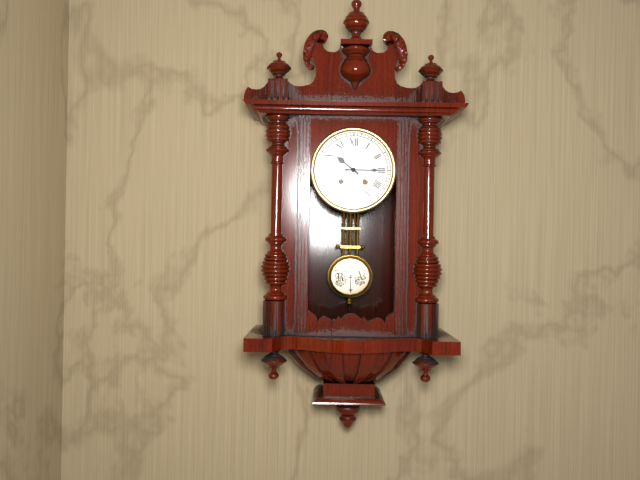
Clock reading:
**10:15**
